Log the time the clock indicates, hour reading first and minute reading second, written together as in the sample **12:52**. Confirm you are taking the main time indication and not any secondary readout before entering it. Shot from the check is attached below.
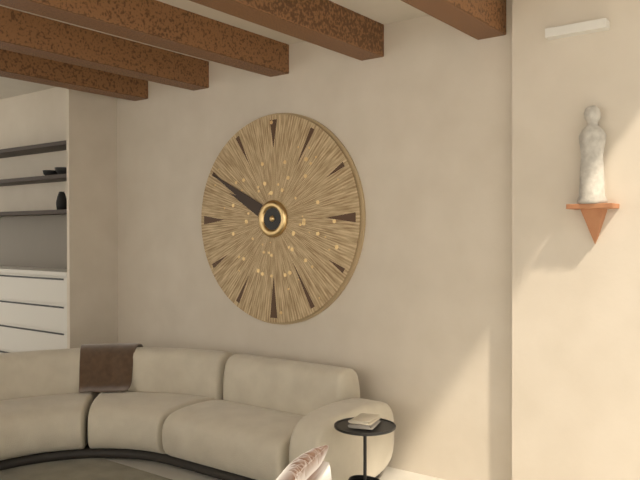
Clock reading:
**9:50**
